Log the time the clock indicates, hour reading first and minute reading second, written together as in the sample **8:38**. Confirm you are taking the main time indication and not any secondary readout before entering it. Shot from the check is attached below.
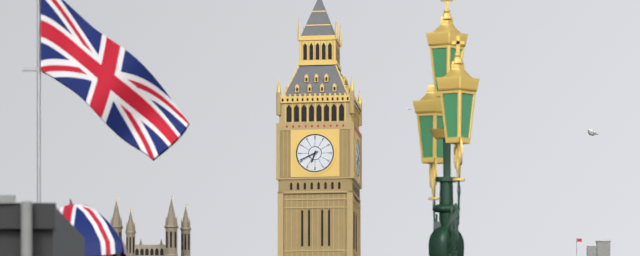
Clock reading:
**6:41**
